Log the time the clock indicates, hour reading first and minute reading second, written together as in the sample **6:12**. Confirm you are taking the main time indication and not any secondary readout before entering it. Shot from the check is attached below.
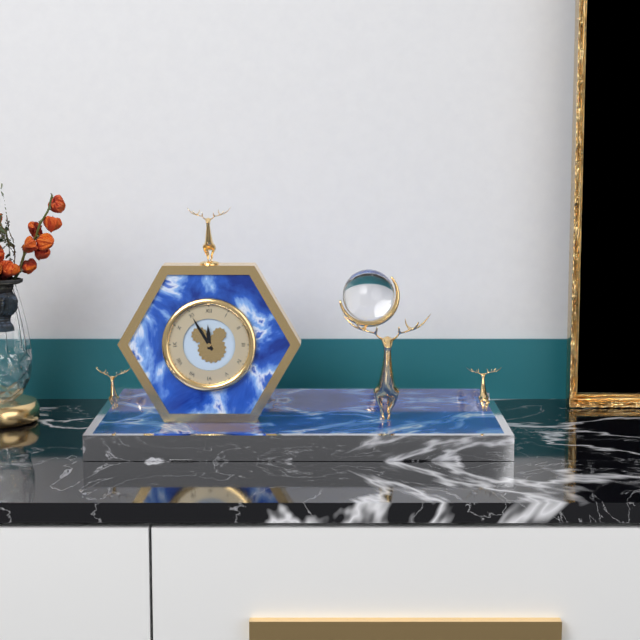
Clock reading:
**11:55**
